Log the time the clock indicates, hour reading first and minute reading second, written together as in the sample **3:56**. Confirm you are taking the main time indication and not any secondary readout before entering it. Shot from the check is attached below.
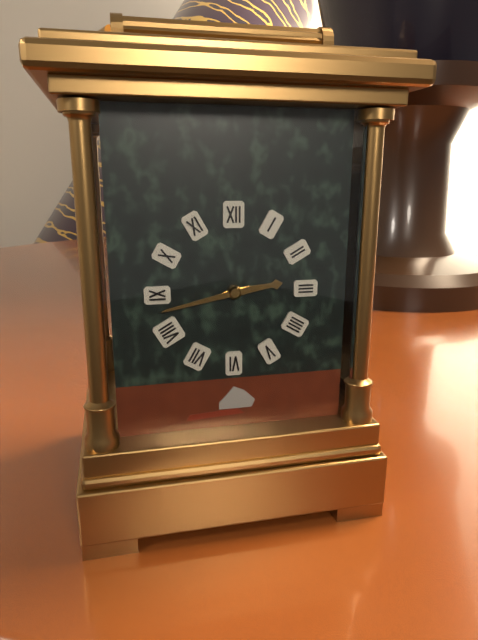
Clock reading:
**2:43**
